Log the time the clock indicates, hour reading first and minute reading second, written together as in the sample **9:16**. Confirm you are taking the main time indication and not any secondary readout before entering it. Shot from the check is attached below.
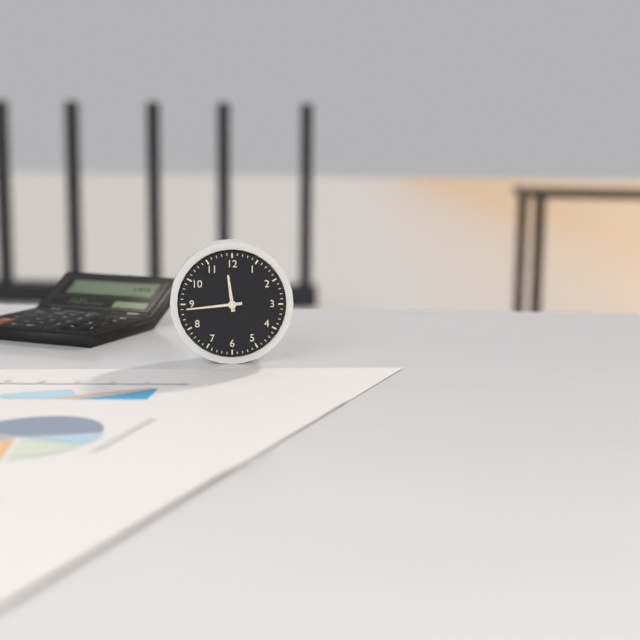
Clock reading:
**11:44**
